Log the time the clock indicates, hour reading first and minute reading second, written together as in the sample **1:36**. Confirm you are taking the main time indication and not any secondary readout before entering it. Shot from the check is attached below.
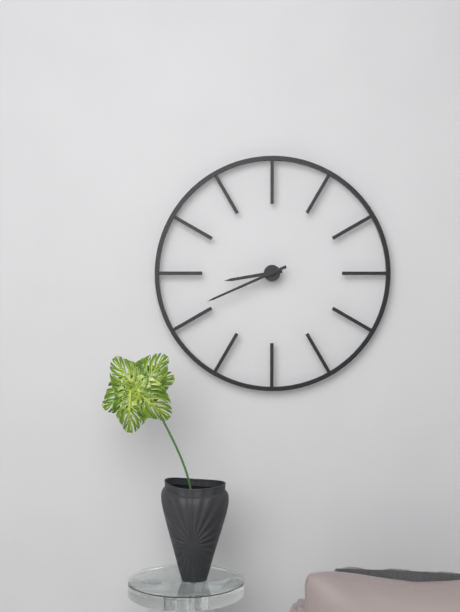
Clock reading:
**8:41**
